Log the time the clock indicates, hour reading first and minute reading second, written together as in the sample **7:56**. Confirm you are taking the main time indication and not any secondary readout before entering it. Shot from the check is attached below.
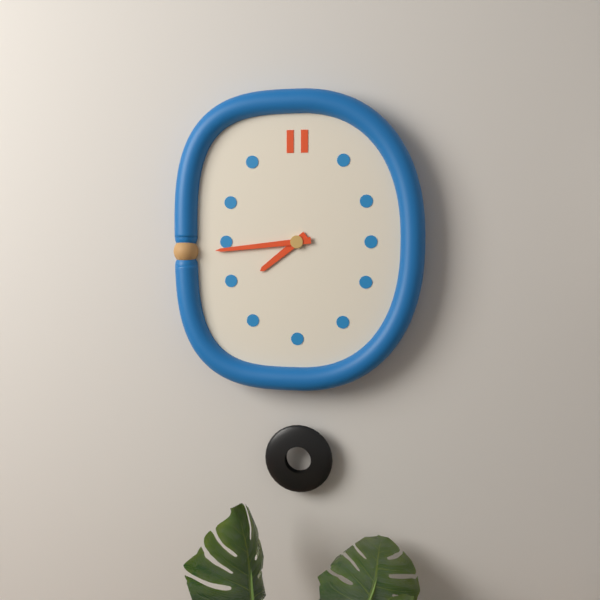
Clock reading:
**7:44**
